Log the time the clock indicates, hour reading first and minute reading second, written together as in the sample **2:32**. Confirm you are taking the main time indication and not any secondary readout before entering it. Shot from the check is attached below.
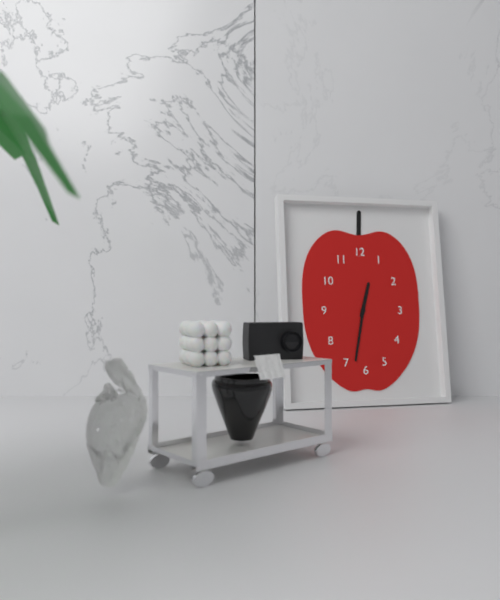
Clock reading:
**12:32**
